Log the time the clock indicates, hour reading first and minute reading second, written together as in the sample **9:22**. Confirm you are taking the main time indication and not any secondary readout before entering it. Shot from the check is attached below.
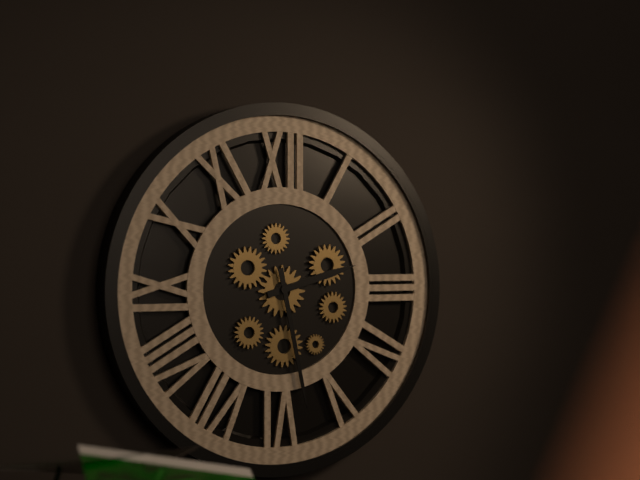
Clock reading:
**2:28**
